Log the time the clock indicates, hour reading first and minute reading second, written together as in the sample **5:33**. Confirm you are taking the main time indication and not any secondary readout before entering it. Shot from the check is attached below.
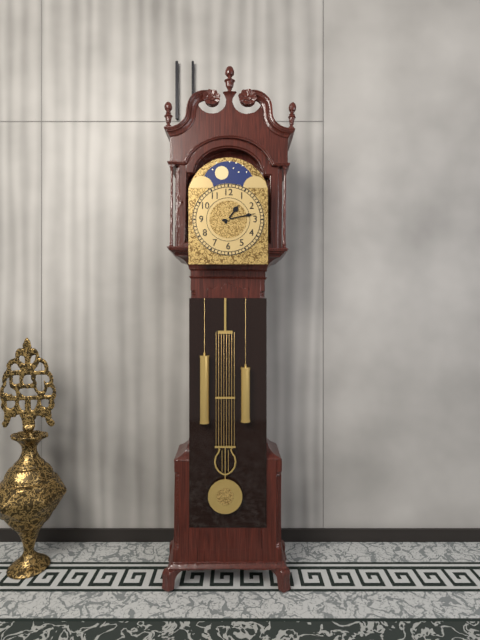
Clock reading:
**1:13**
